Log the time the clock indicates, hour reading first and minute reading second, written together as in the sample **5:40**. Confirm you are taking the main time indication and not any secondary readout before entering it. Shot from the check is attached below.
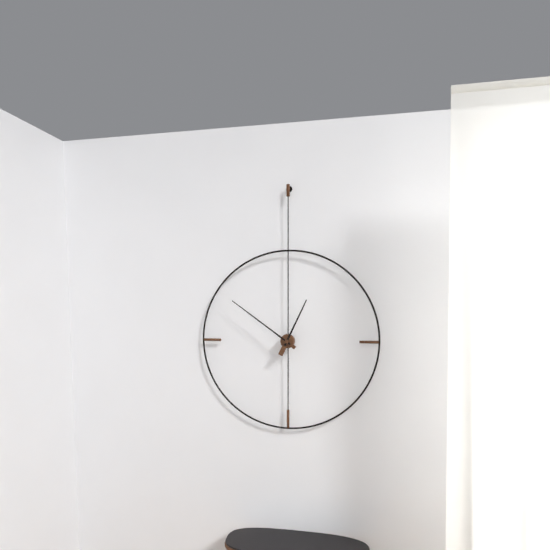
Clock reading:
**12:51**
